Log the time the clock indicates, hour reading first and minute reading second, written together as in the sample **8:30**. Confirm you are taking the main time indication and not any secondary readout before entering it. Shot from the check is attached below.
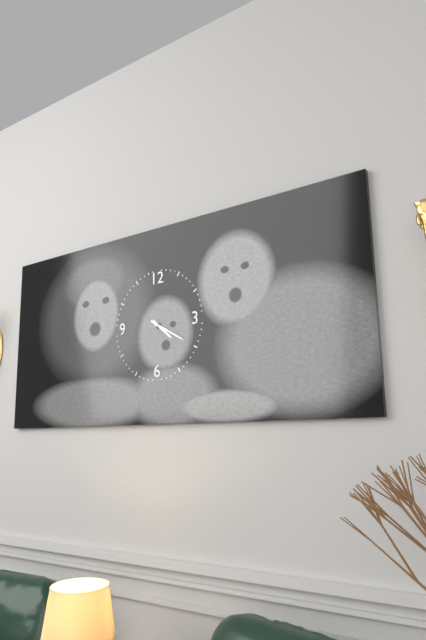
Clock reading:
**4:20**
